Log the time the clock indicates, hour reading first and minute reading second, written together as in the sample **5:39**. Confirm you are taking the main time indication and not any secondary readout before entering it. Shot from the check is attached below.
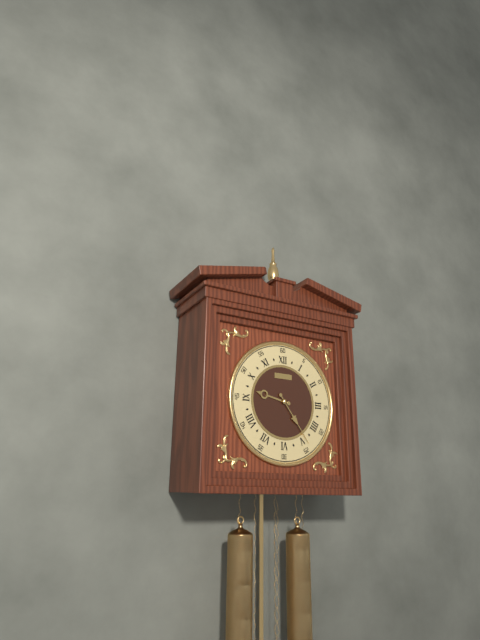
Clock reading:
**9:24**
